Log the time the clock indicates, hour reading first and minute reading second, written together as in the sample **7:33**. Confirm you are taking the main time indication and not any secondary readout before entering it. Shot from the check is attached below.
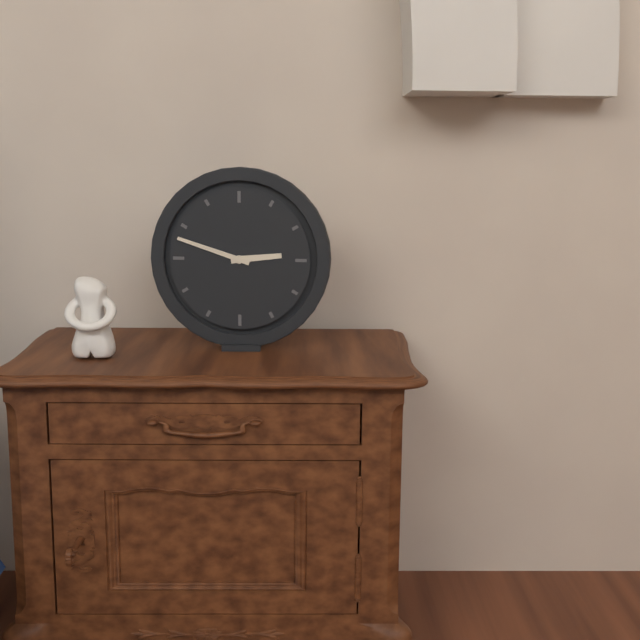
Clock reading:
**2:48**
